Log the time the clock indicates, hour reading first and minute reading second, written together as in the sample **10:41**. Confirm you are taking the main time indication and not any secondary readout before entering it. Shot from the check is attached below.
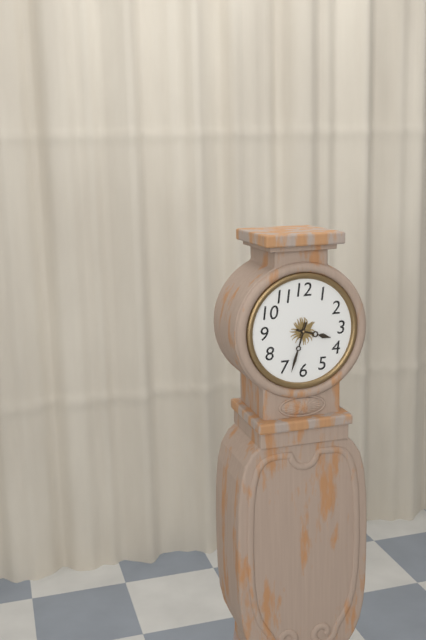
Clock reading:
**3:33**
